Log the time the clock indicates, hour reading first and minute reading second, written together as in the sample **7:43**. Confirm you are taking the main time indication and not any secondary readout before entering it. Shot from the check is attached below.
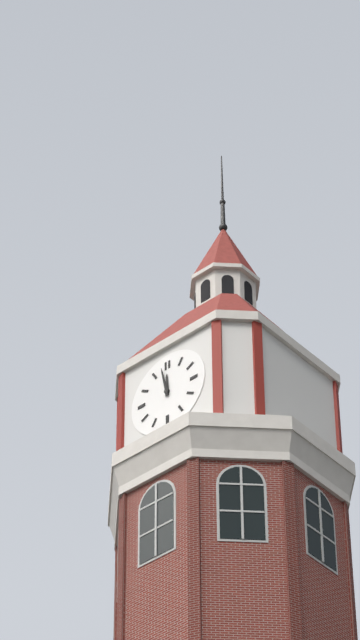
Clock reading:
**11:58**
